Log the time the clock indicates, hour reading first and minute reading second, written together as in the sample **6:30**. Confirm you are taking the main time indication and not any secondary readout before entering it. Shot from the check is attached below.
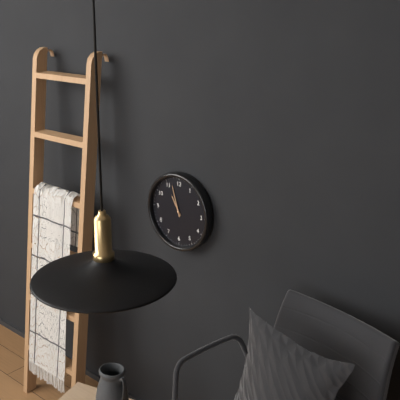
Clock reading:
**10:57**
